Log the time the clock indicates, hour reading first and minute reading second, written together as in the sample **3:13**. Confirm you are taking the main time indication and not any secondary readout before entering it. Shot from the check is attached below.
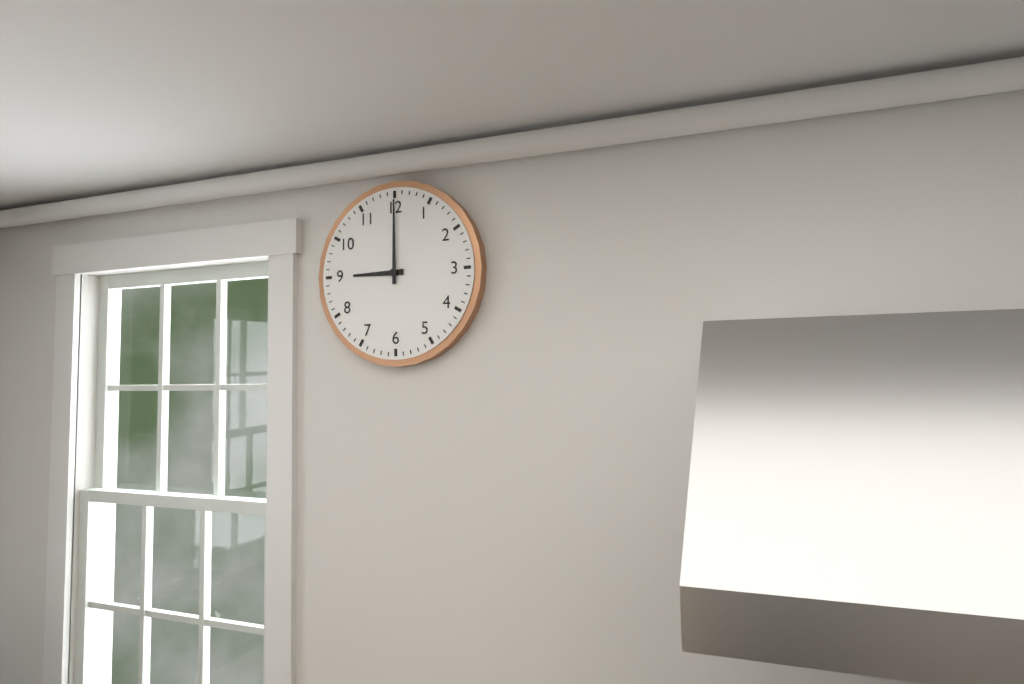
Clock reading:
**9:00**
